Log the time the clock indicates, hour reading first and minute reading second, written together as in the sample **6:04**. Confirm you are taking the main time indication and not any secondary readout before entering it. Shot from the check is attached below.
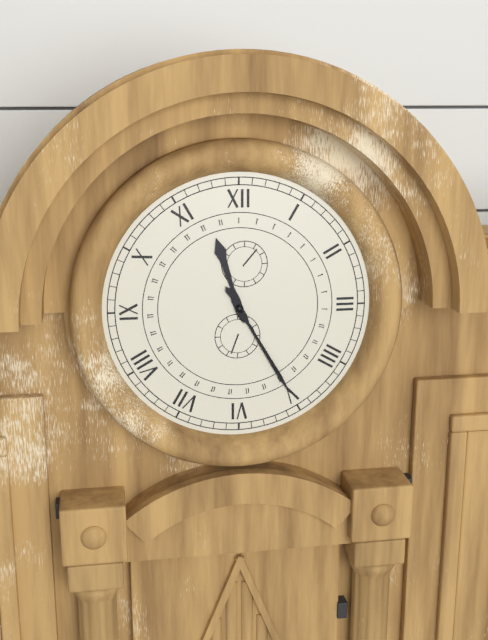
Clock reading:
**11:25**
